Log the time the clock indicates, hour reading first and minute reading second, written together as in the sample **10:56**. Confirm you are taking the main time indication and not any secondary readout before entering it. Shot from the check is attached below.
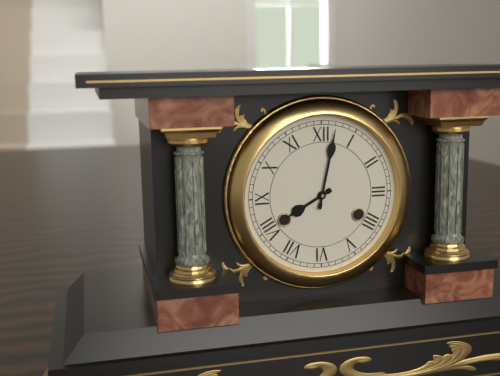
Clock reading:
**8:02**
